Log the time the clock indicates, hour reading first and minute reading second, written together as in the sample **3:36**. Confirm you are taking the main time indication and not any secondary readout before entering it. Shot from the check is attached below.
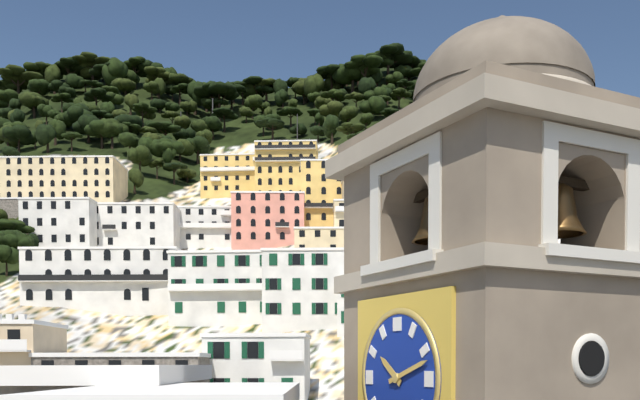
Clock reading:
**10:12**
